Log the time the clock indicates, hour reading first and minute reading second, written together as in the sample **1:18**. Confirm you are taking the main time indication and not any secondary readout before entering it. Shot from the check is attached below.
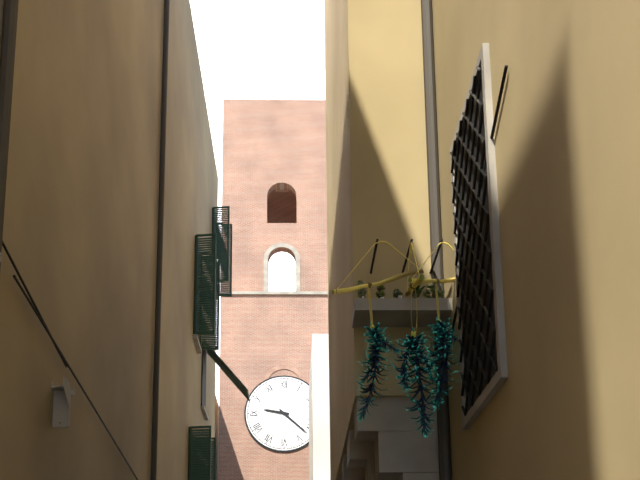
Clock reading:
**9:22**
